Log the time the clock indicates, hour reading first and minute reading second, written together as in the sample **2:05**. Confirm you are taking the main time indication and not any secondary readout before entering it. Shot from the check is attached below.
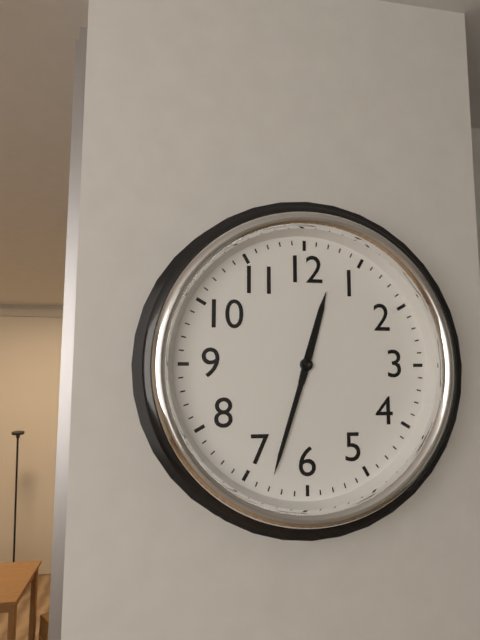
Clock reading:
**12:33**
